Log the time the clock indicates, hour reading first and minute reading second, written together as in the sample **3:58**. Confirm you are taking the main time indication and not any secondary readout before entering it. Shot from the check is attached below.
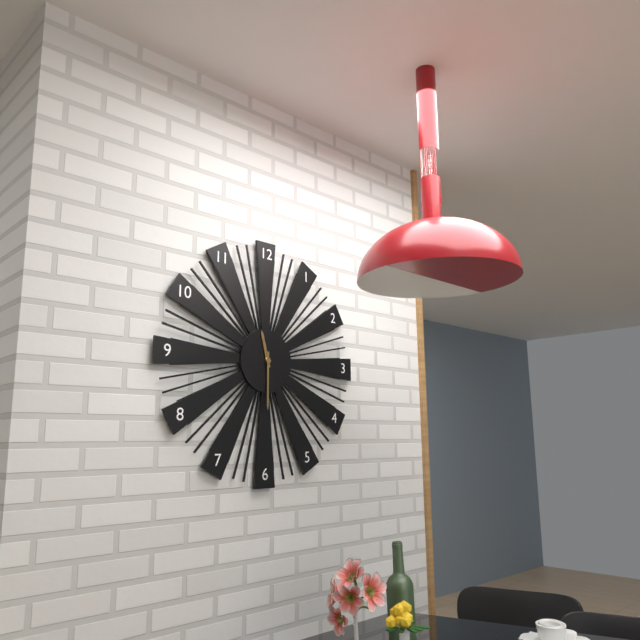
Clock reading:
**11:30**
